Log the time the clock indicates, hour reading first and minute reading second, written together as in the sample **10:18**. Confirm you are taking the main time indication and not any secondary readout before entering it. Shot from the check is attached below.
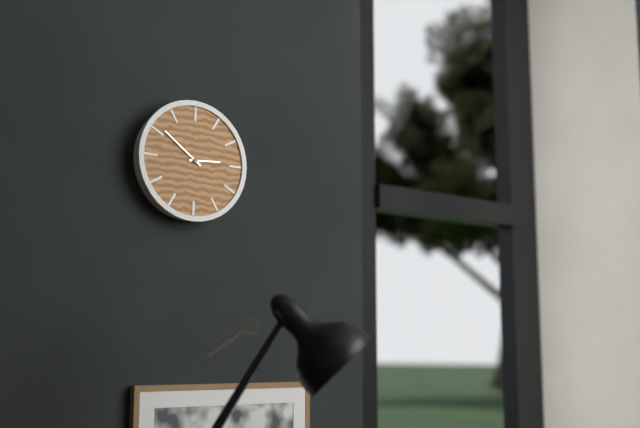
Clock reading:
**2:51**
